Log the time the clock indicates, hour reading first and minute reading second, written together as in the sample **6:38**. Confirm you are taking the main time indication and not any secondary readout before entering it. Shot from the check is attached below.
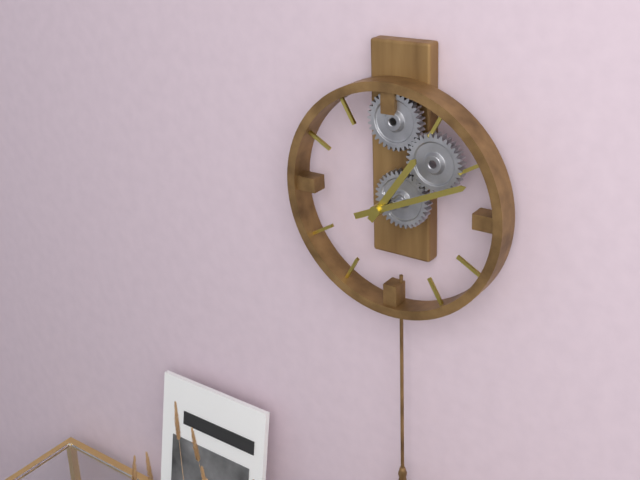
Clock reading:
**1:11**
